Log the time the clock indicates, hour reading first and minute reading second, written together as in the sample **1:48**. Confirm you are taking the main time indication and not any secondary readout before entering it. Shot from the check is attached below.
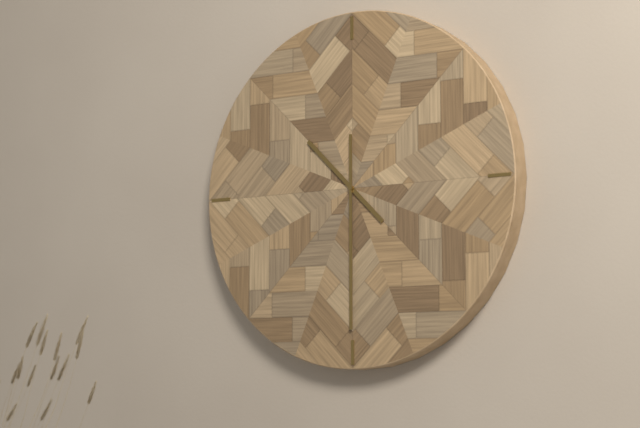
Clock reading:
**10:30**
